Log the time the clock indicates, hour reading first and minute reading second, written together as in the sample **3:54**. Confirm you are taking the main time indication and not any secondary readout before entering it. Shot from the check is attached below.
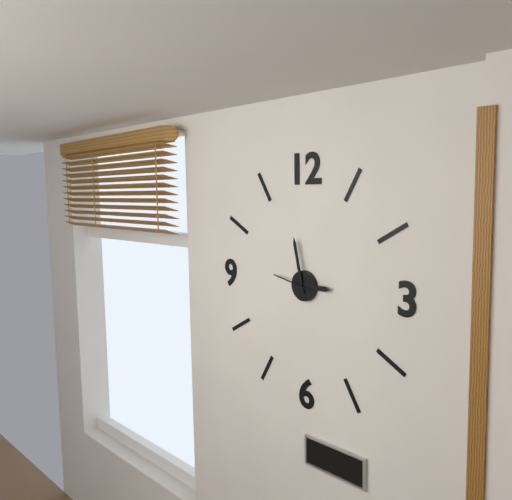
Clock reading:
**2:58**
